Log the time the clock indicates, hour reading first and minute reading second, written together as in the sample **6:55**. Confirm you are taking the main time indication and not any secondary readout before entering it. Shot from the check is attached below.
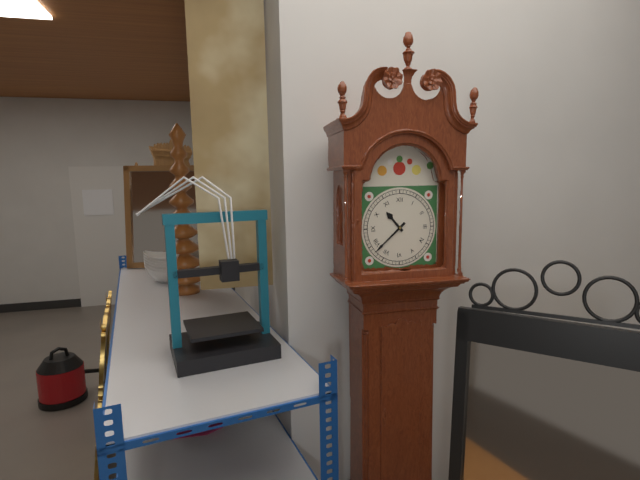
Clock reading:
**10:38**
